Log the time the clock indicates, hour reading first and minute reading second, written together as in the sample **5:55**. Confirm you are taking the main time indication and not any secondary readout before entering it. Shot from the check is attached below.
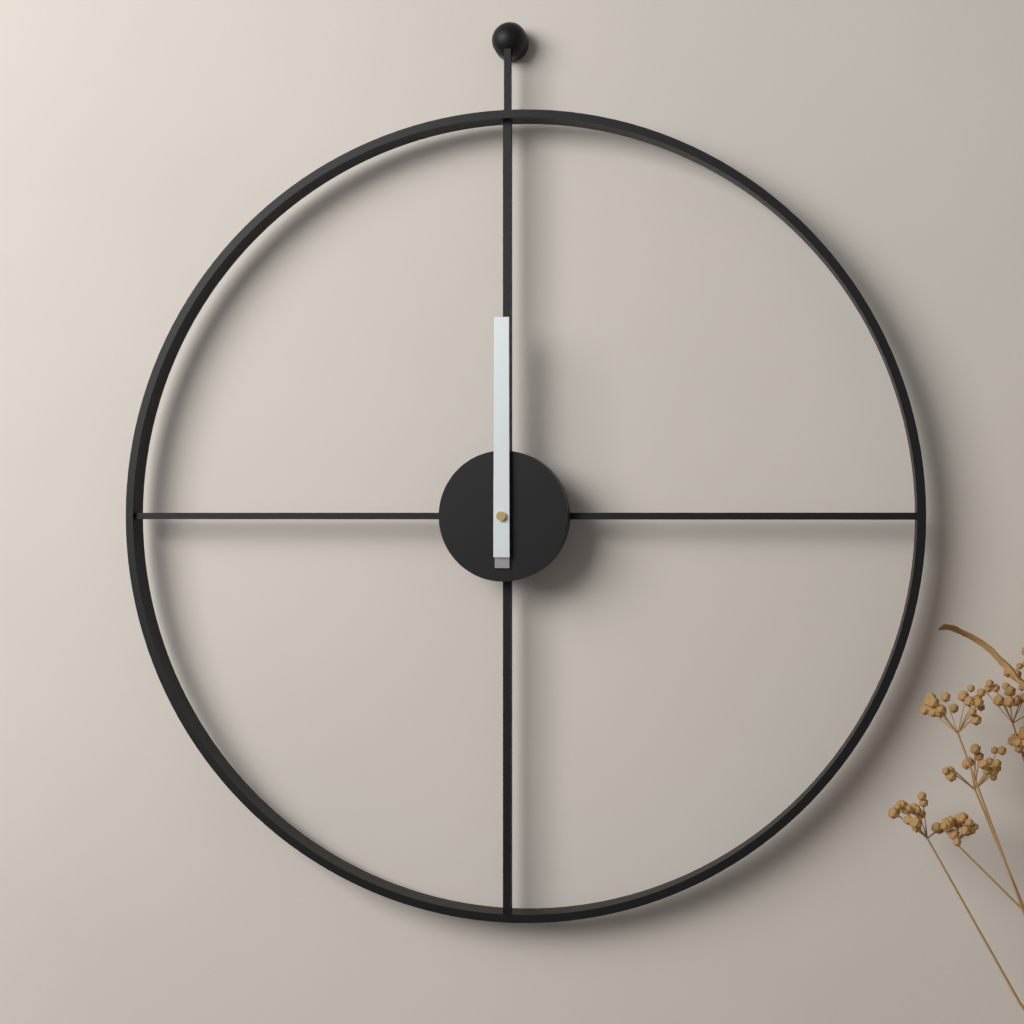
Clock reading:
**12:00**
